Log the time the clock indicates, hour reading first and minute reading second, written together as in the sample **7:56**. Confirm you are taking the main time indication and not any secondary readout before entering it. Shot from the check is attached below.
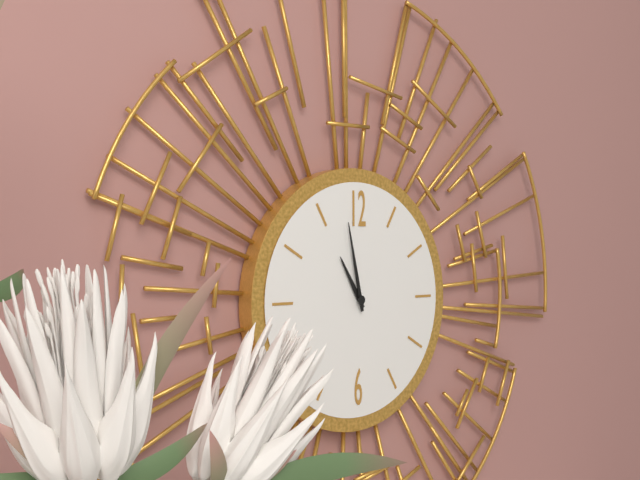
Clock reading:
**10:58**
